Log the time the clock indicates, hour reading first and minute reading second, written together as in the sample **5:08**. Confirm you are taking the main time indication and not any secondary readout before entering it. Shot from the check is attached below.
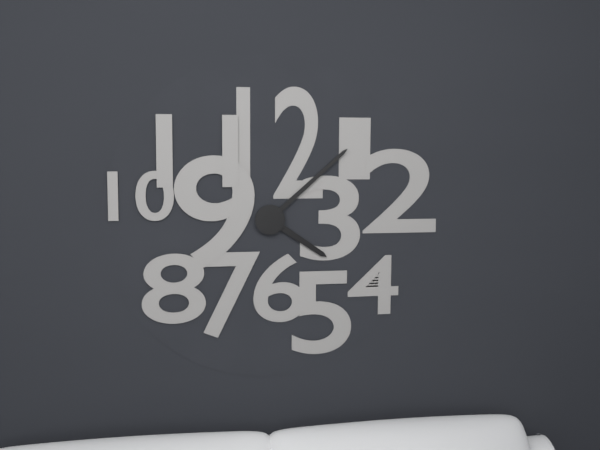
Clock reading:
**4:08**
